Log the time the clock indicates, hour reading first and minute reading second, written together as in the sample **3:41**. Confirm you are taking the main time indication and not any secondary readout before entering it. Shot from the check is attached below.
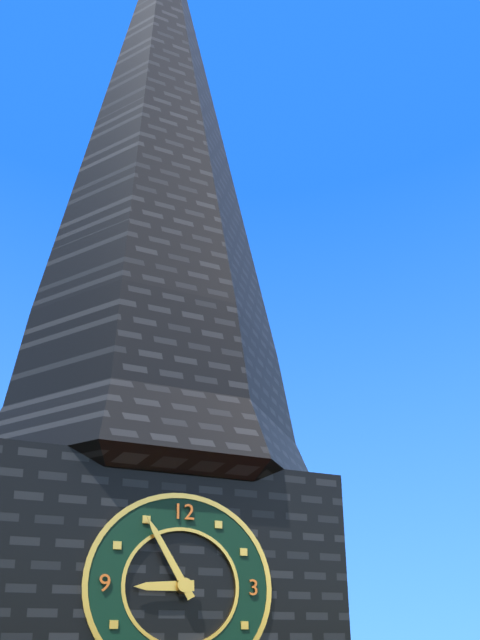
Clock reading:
**8:55**
